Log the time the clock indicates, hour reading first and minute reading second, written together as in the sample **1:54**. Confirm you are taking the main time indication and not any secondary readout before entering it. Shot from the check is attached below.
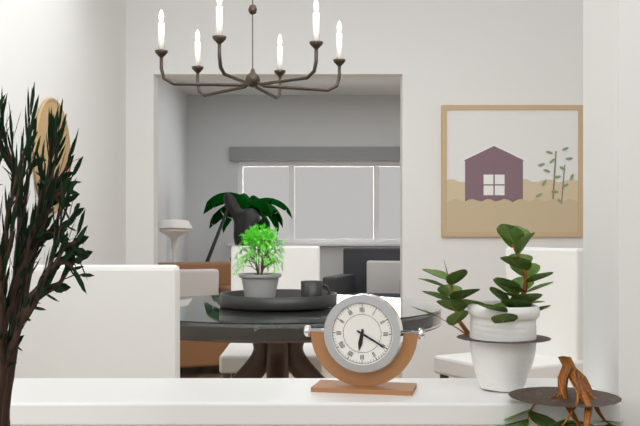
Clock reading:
**6:20**
